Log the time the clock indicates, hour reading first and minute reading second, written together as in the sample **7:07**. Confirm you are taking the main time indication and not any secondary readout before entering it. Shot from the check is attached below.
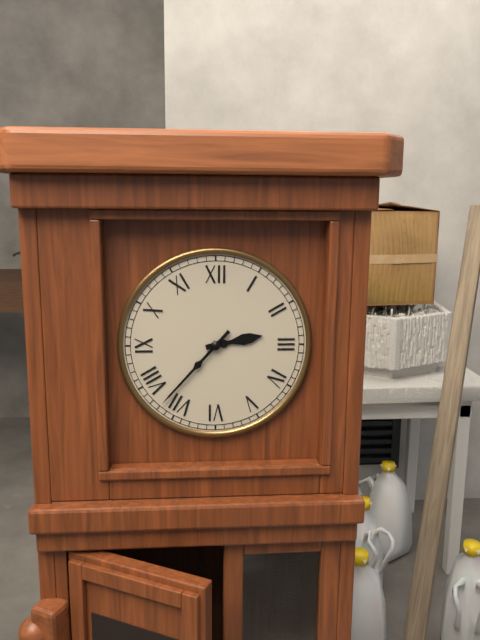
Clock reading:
**2:37**
